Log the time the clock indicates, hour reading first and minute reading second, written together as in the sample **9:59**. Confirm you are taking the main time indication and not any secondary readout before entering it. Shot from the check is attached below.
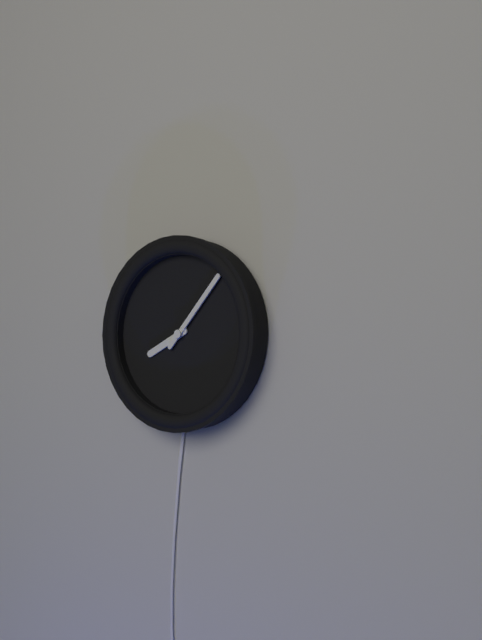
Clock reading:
**8:07**
